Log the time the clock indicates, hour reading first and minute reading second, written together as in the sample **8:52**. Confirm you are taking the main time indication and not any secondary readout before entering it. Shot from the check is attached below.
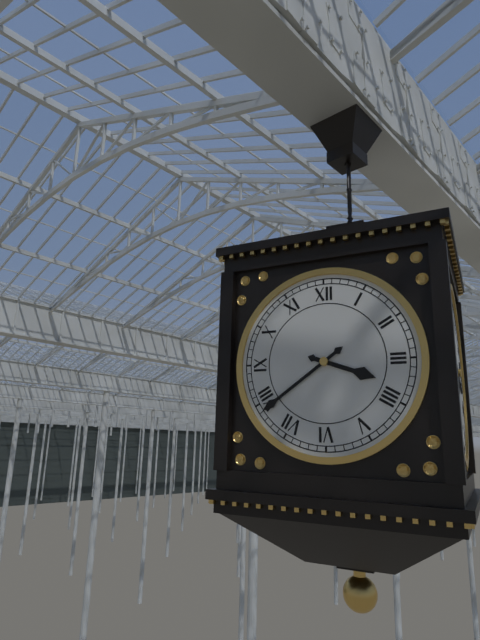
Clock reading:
**3:39**
